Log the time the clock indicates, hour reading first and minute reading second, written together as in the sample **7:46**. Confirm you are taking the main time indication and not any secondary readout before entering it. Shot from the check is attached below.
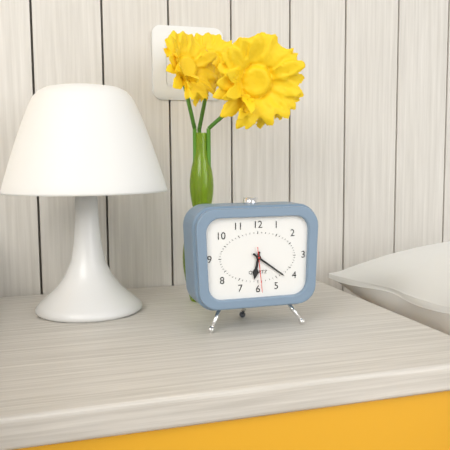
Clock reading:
**6:21**
